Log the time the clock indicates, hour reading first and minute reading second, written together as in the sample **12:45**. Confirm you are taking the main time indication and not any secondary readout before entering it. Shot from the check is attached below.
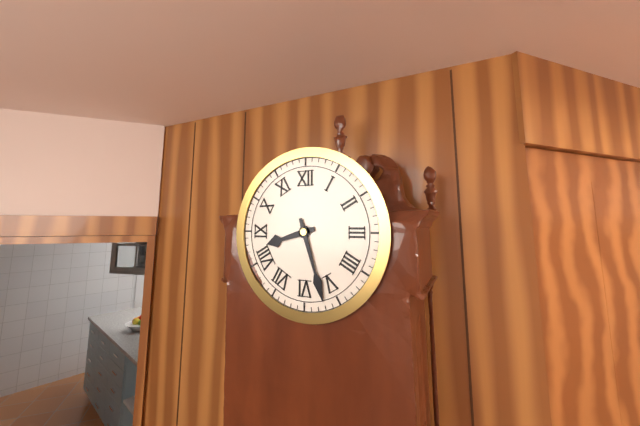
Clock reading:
**8:27**
